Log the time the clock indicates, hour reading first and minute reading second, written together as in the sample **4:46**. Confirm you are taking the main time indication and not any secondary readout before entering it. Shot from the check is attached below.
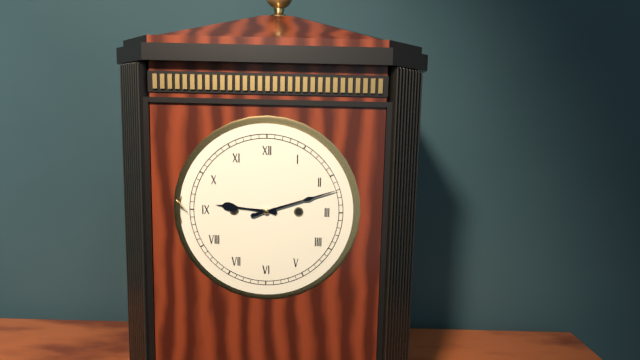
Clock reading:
**9:12**
